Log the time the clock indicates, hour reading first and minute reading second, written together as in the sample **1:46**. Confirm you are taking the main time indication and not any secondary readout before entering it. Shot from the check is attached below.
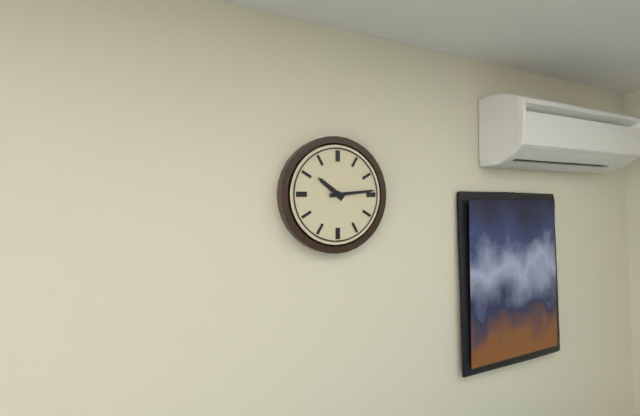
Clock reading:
**10:14**
